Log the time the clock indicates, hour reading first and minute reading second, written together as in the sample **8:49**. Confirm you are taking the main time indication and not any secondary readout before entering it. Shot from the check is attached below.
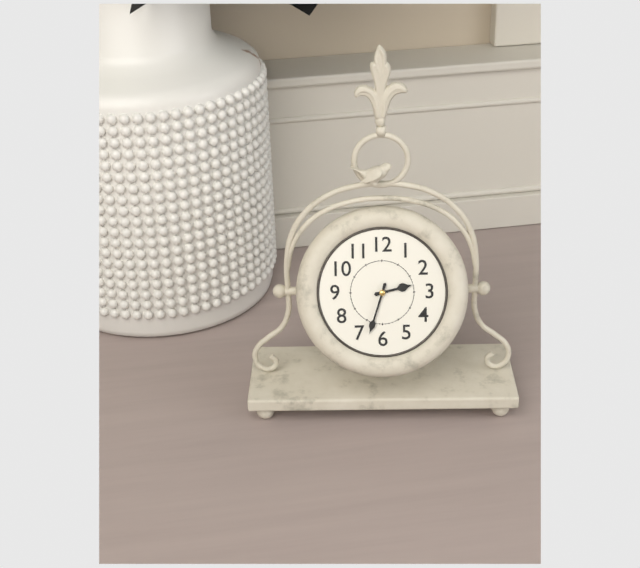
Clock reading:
**2:33**
